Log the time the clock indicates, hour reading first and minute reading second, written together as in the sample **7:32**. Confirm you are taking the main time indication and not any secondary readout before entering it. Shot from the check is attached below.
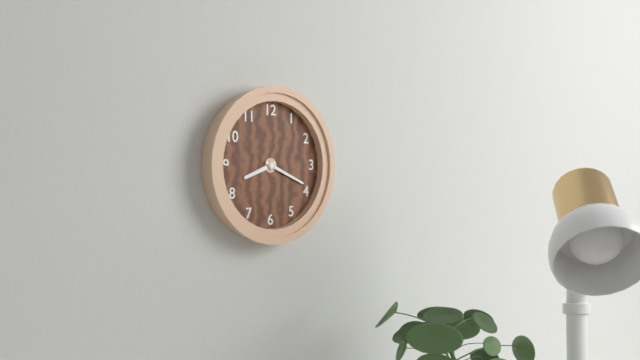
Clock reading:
**8:19**
